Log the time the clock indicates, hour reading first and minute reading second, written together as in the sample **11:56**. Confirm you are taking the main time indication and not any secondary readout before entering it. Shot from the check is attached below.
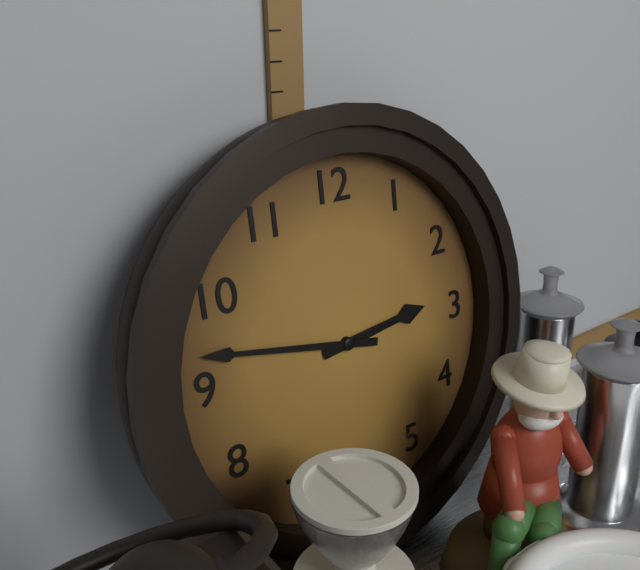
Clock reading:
**2:47**
